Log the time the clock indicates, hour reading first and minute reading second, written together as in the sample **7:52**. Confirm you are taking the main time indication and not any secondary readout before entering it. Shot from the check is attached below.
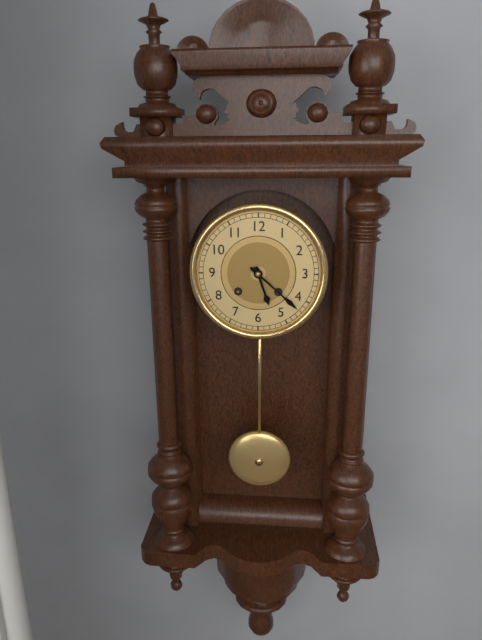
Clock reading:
**5:22**
